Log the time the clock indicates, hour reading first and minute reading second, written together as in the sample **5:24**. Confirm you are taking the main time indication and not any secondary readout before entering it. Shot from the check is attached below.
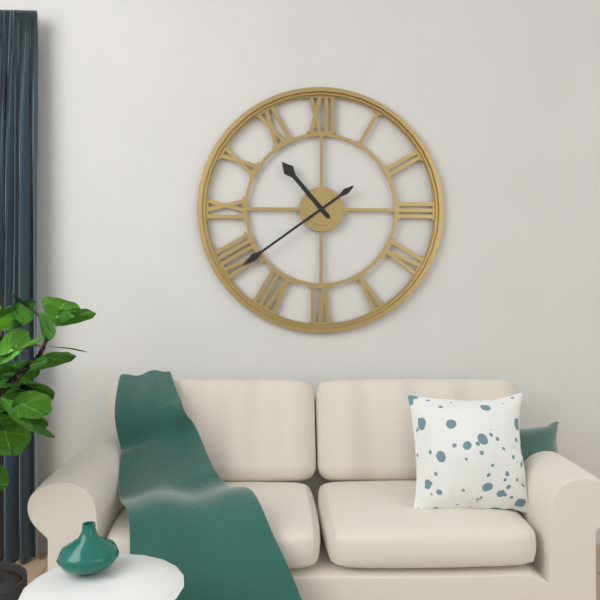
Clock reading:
**10:39**
